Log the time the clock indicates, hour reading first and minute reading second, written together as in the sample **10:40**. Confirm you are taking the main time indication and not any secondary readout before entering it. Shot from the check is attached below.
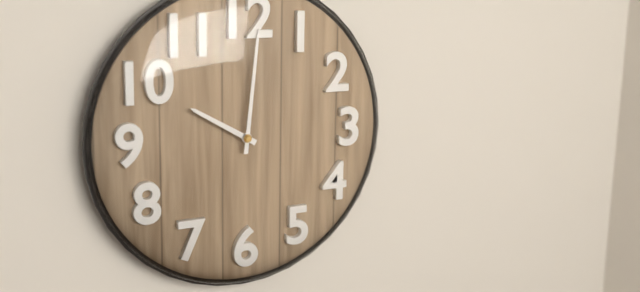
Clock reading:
**10:01**
